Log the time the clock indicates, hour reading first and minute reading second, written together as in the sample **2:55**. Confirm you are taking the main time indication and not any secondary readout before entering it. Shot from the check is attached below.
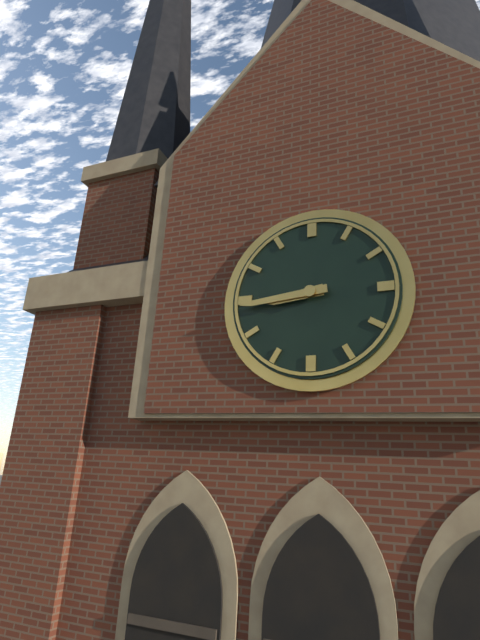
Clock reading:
**8:44**
